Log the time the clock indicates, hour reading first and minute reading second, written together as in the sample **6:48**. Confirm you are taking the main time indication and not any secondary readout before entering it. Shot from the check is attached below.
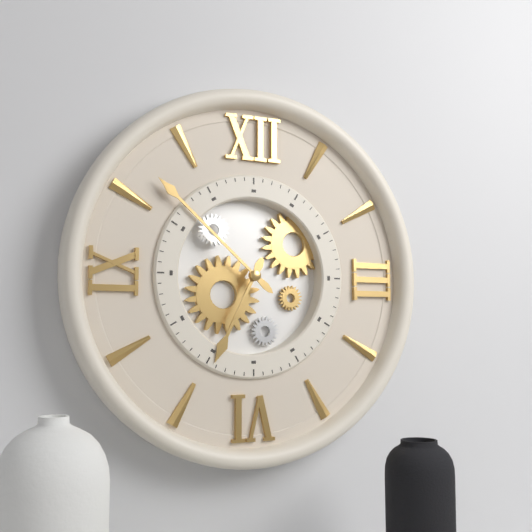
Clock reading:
**6:52**
